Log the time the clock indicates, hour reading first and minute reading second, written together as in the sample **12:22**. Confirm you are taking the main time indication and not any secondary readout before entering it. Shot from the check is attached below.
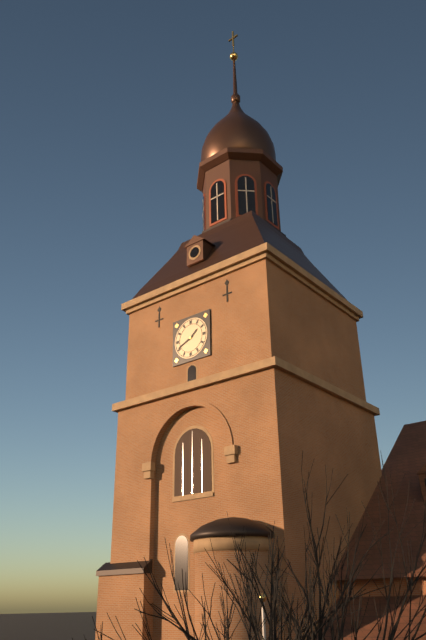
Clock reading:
**1:41**
